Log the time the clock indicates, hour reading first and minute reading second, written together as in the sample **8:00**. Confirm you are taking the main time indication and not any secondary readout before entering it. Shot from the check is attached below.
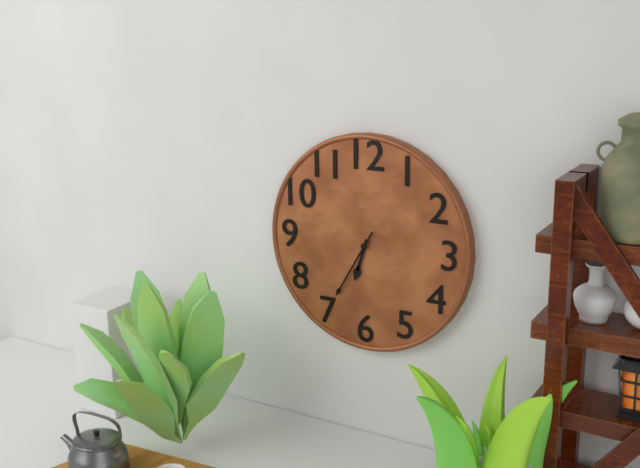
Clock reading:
**6:35**
